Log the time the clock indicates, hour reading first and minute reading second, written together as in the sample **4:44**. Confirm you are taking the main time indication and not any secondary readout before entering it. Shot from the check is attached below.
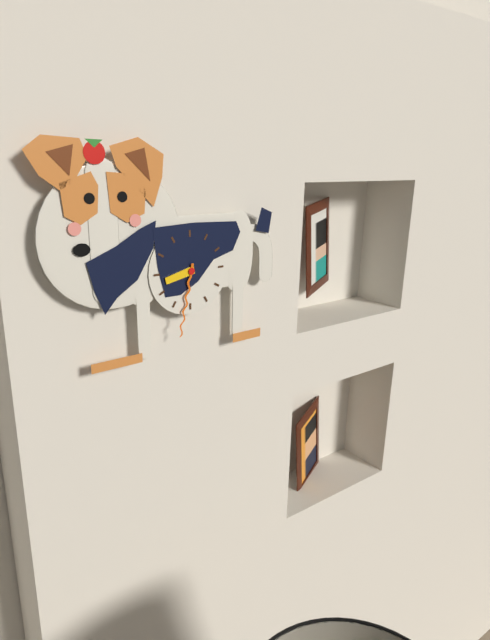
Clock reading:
**8:32**
